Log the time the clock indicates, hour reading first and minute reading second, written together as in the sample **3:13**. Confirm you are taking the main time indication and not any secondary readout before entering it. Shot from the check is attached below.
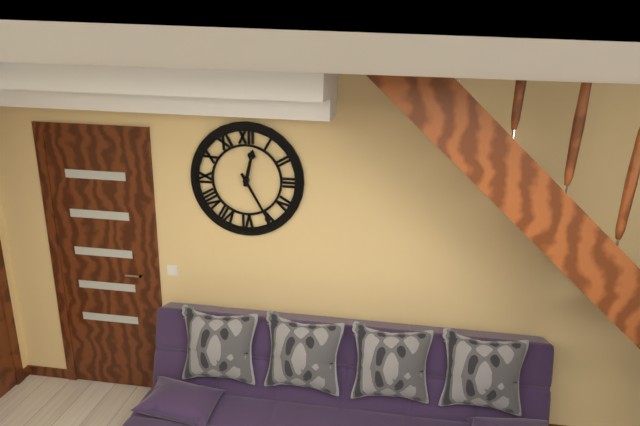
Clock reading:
**12:25**
